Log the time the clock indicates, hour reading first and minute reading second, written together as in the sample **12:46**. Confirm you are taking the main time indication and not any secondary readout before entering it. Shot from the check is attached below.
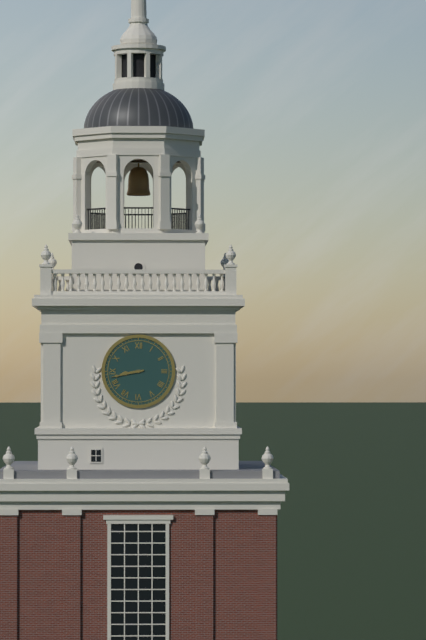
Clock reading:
**8:43**
